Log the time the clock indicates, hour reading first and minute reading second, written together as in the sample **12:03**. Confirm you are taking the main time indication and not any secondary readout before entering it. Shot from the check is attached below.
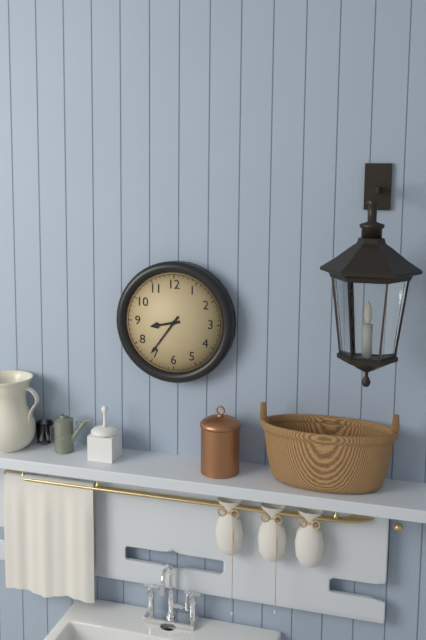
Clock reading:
**8:36**
